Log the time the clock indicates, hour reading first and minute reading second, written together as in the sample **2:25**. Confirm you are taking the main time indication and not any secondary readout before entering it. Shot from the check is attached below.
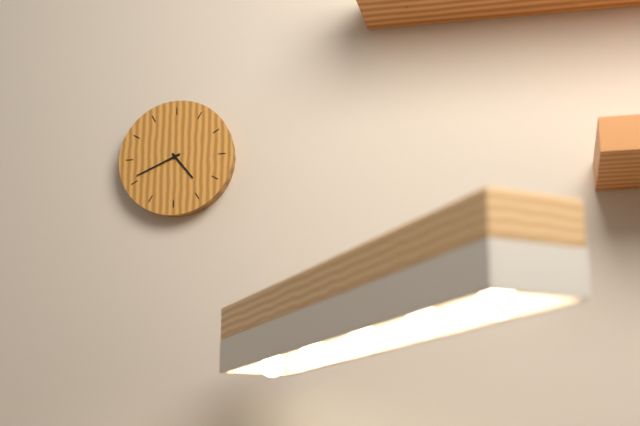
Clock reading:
**4:41**
